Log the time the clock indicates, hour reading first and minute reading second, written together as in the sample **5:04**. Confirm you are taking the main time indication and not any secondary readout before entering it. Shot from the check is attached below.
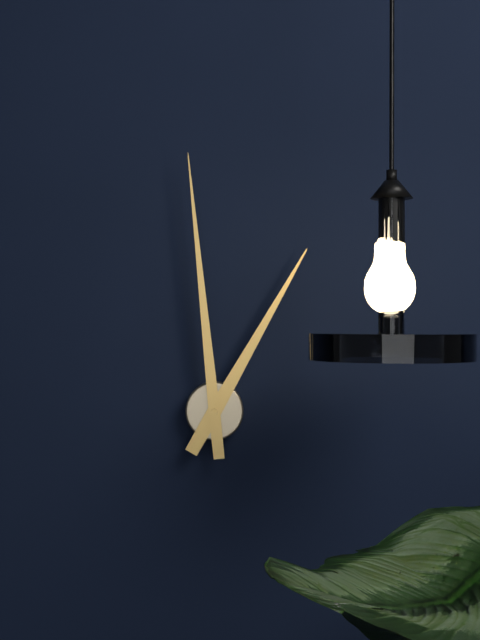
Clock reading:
**12:59**
